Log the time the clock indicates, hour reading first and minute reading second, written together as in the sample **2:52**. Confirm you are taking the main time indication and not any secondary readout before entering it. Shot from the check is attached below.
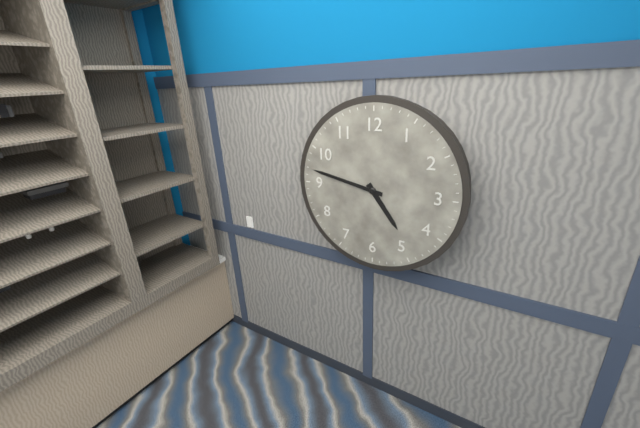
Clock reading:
**4:47**
